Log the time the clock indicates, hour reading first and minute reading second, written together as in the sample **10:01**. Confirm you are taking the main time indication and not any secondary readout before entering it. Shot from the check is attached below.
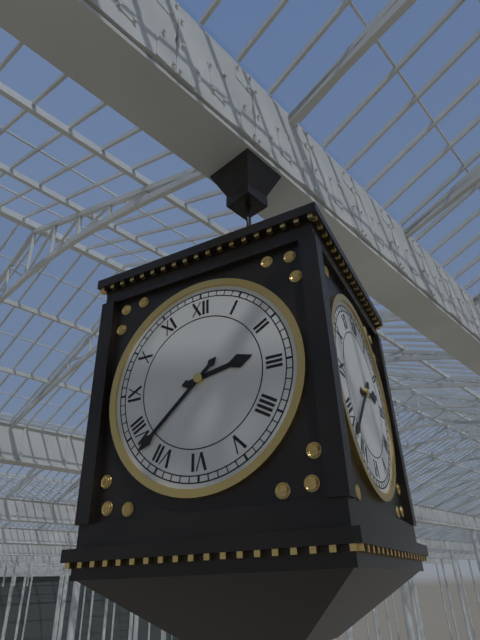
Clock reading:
**2:38**
